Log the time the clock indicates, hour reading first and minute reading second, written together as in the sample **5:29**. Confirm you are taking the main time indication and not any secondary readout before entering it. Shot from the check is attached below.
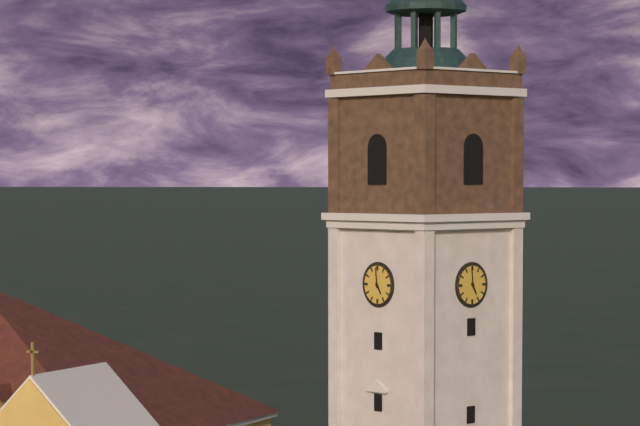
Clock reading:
**4:59**
